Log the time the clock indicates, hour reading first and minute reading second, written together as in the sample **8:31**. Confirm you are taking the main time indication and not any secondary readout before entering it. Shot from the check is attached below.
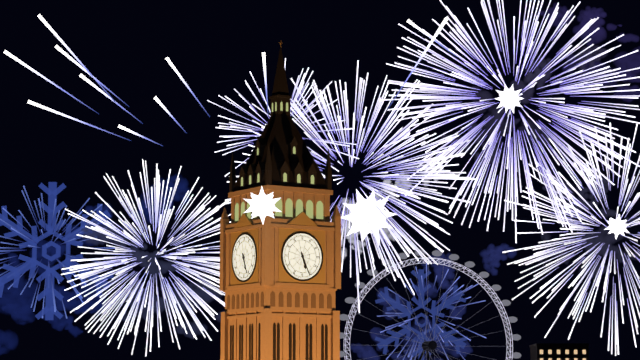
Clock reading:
**5:26**
